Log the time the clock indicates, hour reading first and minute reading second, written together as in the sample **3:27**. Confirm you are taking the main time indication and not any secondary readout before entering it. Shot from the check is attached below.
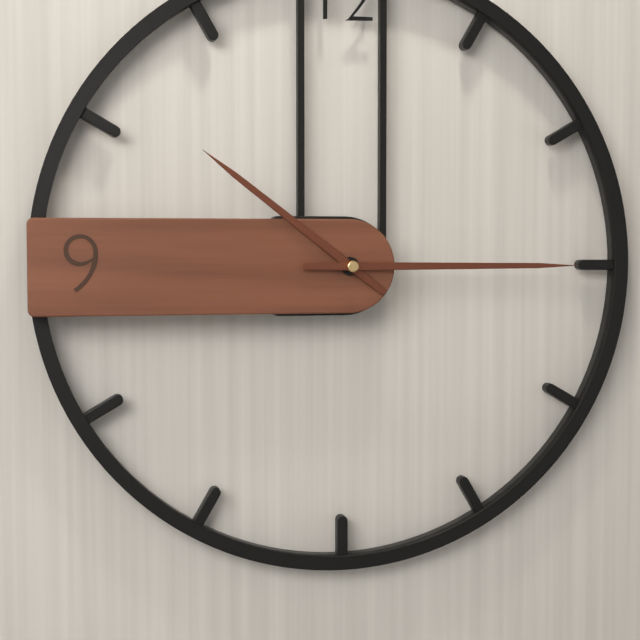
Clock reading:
**10:15**
